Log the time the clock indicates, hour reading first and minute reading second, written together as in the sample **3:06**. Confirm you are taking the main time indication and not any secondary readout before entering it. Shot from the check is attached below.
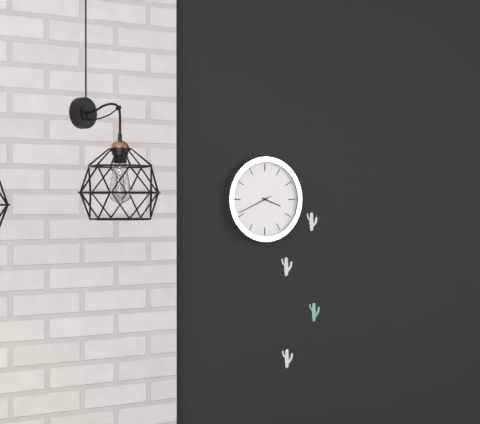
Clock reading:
**3:41**
